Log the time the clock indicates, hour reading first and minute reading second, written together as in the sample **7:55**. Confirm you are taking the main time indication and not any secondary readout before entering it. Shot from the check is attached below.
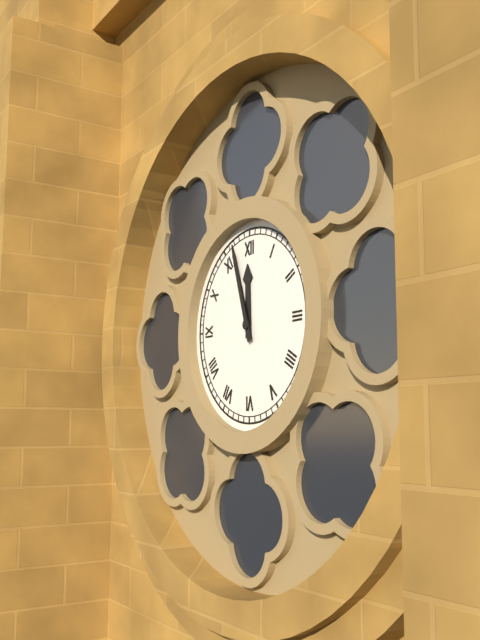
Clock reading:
**11:57**
